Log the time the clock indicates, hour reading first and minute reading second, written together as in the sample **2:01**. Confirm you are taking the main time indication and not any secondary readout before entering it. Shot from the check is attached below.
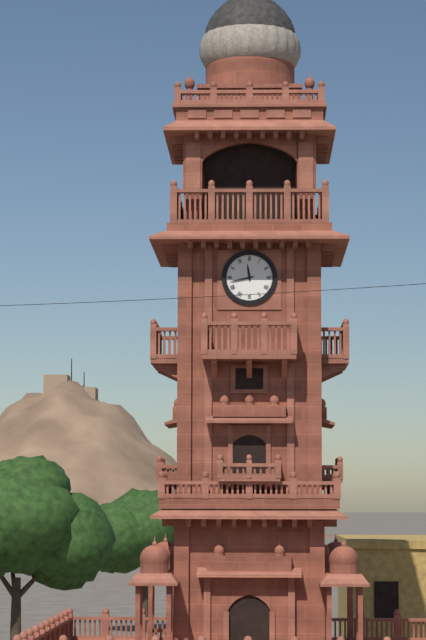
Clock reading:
**11:43**
